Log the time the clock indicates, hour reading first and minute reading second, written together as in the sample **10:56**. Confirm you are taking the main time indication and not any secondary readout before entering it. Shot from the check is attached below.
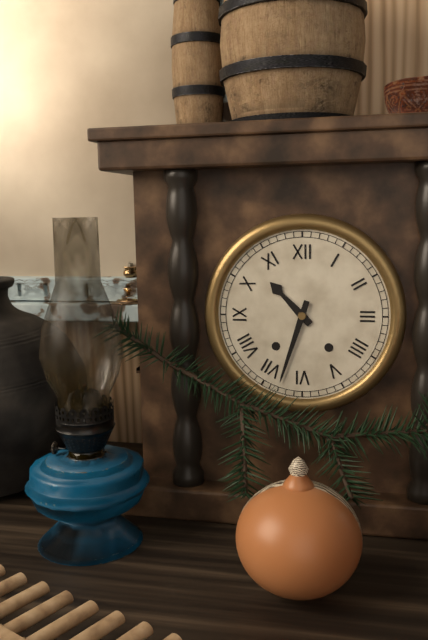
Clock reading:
**10:33**
